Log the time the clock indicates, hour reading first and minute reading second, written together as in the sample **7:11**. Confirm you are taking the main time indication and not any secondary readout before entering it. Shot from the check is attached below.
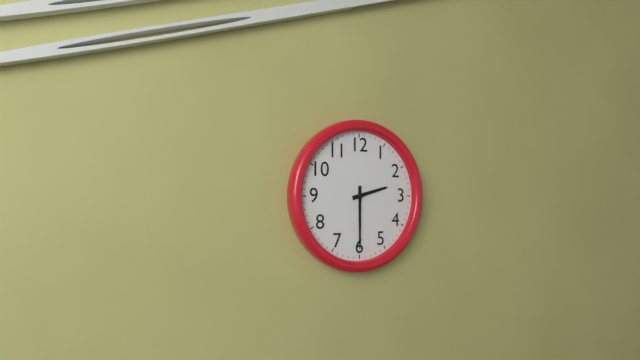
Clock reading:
**2:30**
